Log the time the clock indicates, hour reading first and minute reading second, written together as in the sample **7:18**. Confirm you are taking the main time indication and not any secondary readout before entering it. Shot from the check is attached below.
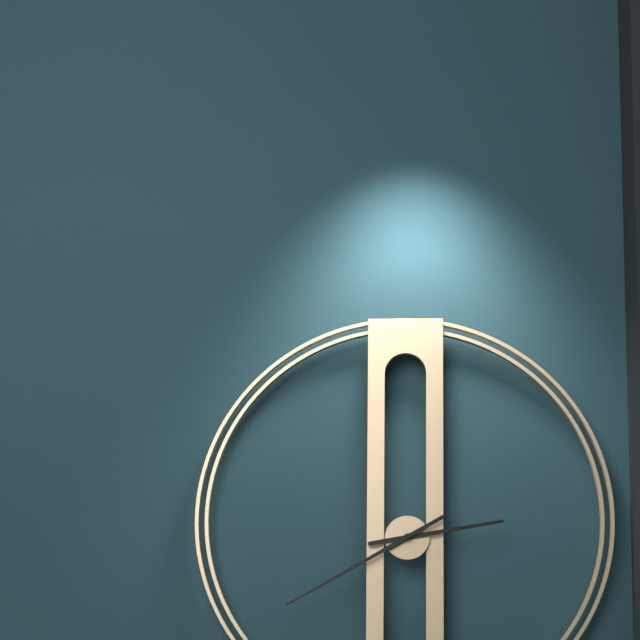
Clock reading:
**2:40**
